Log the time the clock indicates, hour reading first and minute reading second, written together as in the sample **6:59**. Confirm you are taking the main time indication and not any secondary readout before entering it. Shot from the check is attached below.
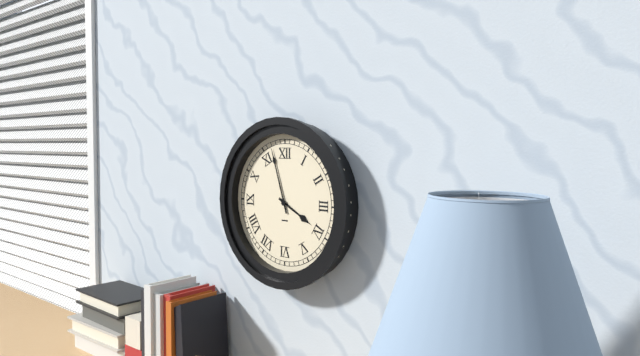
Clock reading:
**3:57**
